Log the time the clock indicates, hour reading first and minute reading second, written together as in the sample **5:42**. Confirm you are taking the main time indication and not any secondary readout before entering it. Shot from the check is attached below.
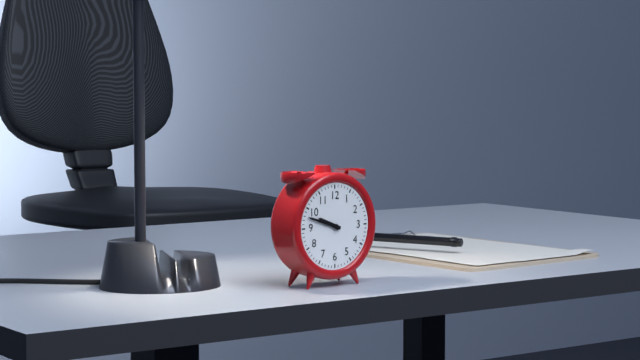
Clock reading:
**9:48**
